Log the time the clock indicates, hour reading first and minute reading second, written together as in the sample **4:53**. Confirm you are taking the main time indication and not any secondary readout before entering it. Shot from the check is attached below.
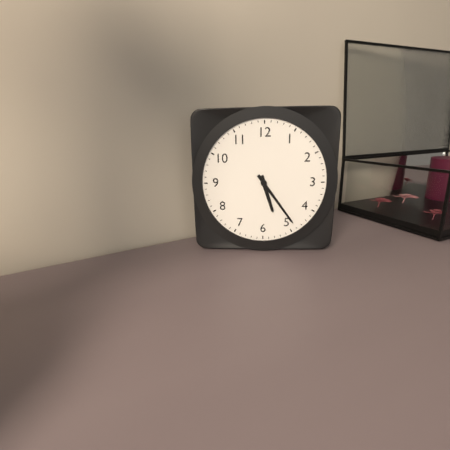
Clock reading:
**5:24**
